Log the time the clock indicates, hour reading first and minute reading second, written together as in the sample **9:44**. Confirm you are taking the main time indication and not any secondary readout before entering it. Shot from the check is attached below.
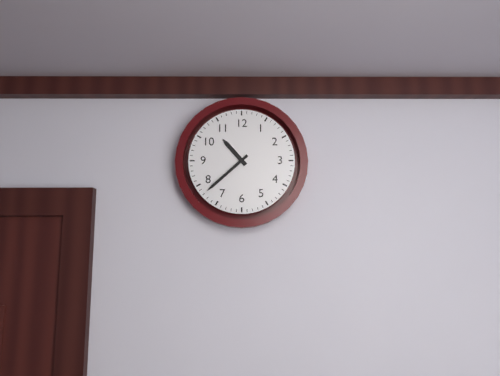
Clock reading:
**10:38**
